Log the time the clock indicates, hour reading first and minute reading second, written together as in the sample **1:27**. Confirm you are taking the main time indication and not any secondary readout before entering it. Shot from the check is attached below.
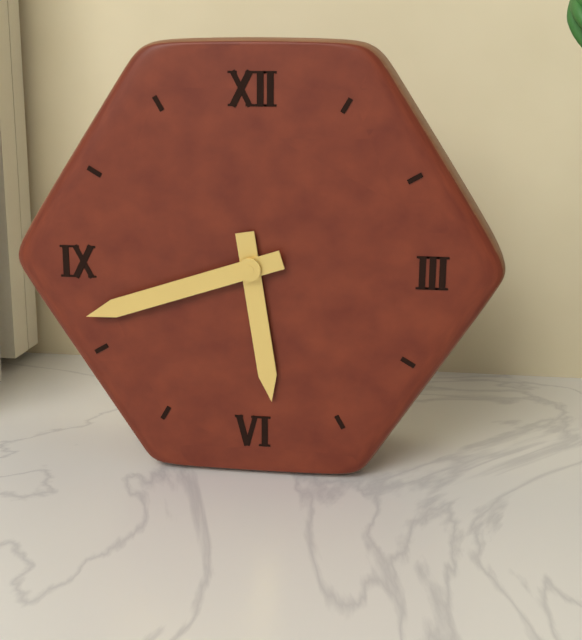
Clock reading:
**5:42**
